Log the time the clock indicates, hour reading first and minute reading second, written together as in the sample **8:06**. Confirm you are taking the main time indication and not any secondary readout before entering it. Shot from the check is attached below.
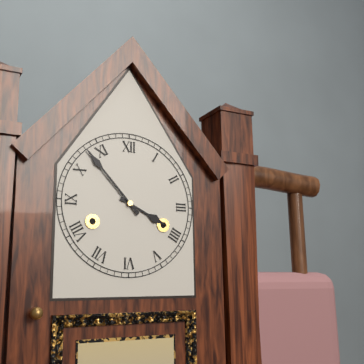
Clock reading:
**3:53**
